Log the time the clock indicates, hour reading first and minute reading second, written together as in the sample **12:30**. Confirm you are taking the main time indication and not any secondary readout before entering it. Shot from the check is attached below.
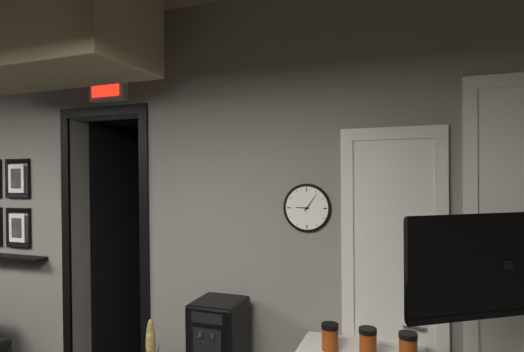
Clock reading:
**9:06**
